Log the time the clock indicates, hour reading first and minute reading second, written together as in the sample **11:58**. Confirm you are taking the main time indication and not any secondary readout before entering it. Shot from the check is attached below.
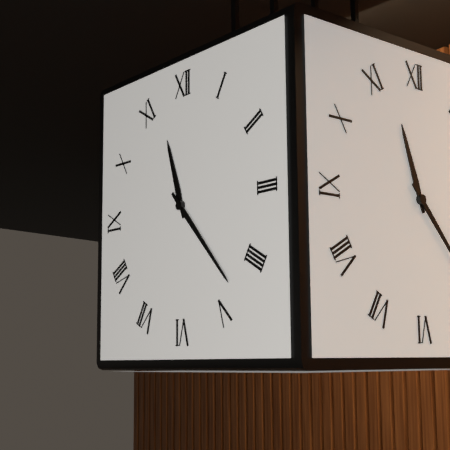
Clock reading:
**11:23**
